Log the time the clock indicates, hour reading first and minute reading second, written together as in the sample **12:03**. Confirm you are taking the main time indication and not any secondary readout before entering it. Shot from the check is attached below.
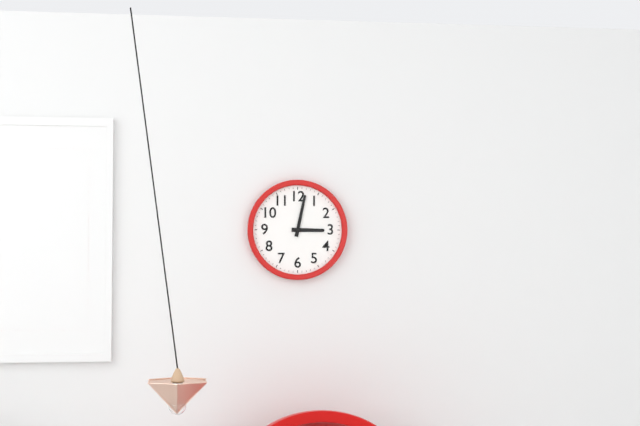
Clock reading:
**3:02**
